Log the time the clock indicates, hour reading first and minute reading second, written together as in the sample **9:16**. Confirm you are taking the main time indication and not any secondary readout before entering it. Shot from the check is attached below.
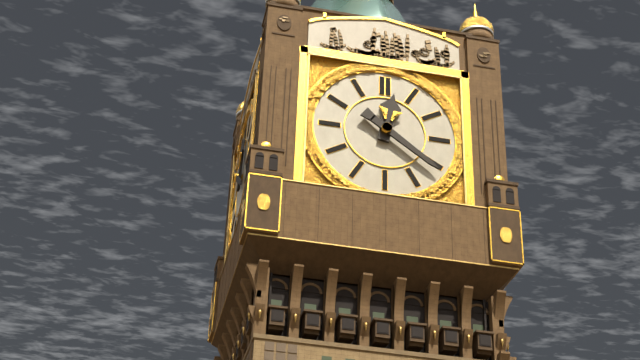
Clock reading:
**12:21**
